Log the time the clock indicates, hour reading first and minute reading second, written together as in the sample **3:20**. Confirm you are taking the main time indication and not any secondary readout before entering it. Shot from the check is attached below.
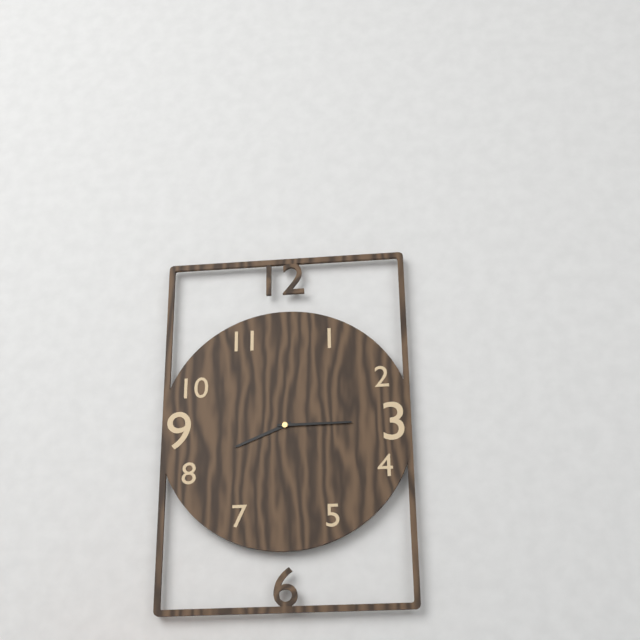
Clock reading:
**8:15**
